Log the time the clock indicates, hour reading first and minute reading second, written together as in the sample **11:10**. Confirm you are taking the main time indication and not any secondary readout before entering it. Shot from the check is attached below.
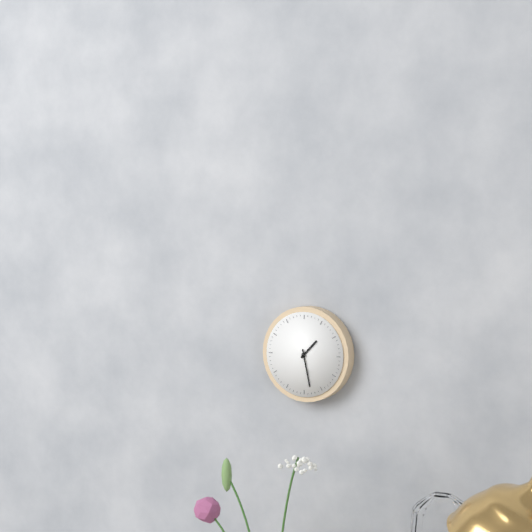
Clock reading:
**1:28**
